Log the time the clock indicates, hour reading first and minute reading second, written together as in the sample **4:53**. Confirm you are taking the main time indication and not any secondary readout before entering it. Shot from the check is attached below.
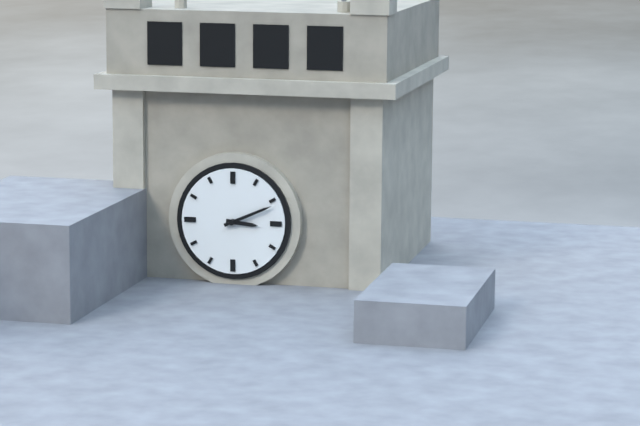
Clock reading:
**3:11**
